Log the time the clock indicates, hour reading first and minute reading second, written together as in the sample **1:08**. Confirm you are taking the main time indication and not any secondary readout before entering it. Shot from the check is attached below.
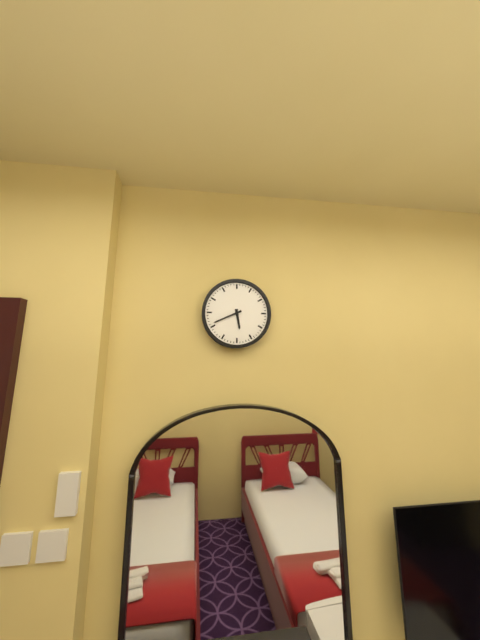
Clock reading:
**5:41**
